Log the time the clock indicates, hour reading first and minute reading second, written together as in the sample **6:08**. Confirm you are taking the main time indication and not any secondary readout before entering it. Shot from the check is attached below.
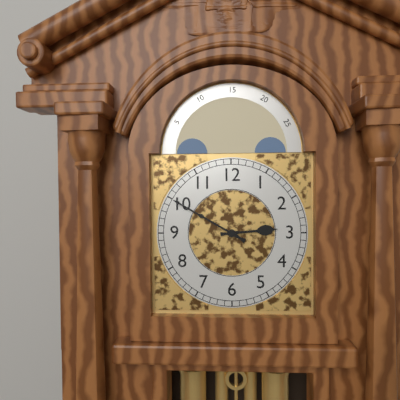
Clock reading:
**2:50**
